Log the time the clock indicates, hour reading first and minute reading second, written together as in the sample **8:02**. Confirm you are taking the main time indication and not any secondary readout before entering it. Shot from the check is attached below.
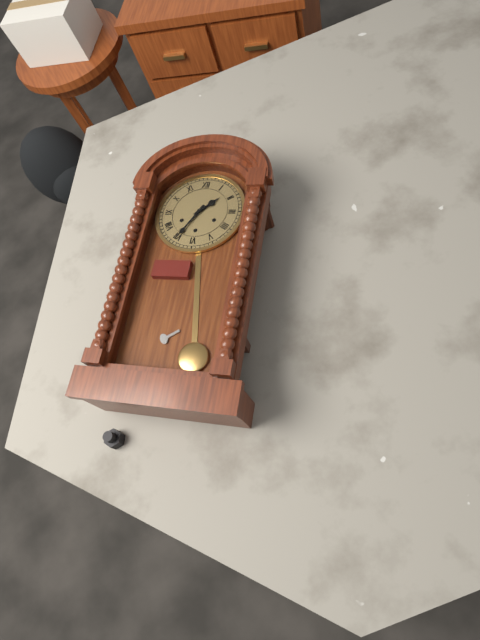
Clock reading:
**1:35**
